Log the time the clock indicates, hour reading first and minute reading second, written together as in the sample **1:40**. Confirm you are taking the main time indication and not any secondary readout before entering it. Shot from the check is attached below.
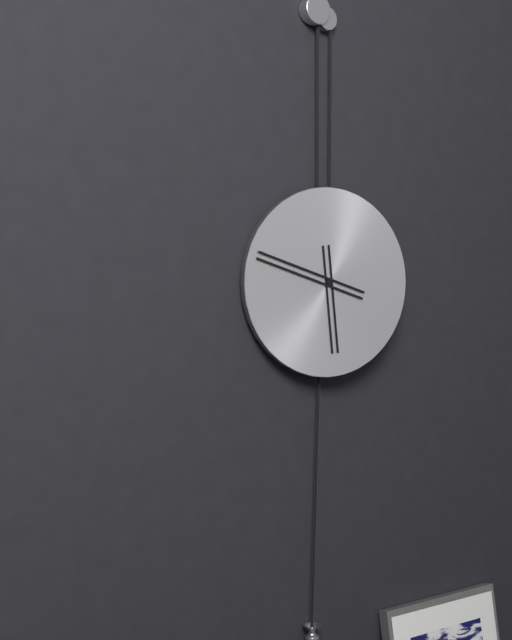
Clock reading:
**5:48**
